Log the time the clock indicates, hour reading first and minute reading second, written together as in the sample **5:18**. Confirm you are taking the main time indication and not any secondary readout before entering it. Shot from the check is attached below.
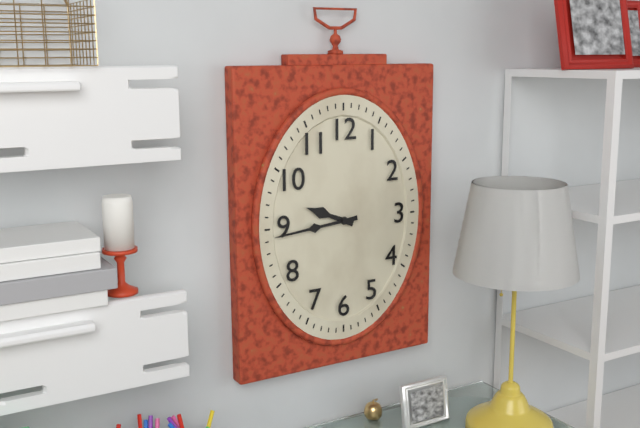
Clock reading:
**9:44**
